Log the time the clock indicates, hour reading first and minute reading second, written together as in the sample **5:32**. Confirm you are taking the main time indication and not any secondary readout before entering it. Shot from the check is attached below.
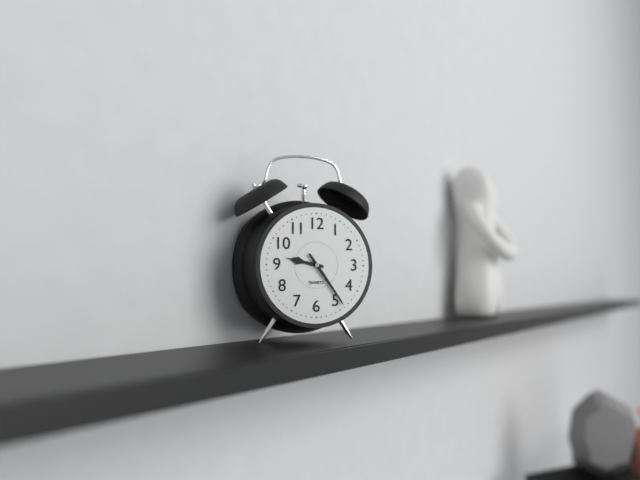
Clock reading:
**9:24**
